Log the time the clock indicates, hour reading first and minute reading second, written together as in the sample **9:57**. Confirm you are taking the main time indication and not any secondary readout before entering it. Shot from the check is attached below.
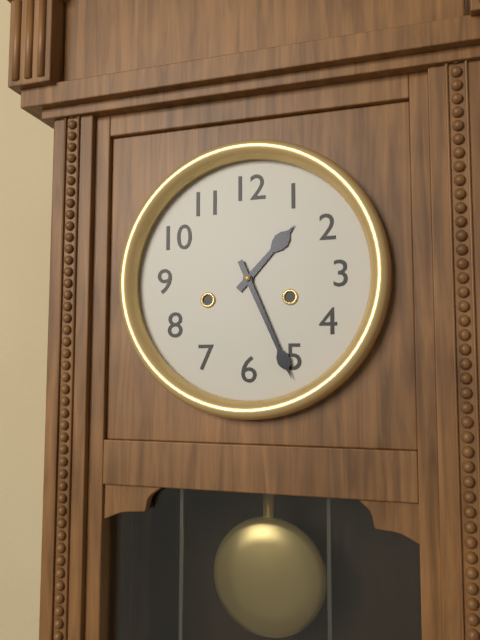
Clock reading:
**1:26**
